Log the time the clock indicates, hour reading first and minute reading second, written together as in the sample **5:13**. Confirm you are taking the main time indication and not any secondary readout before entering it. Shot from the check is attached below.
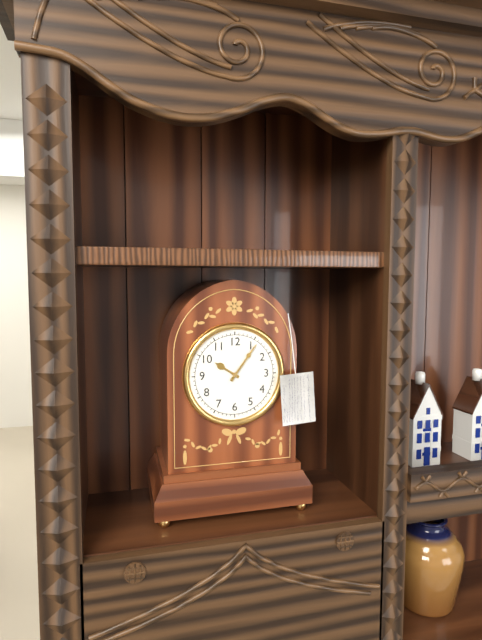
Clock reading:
**10:06**
